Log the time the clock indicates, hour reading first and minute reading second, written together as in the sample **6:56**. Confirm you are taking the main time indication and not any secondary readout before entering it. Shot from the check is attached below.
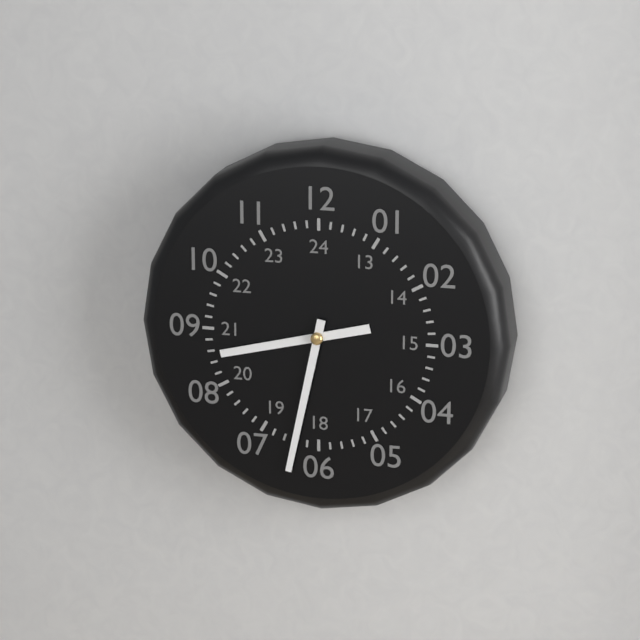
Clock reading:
**8:32**
